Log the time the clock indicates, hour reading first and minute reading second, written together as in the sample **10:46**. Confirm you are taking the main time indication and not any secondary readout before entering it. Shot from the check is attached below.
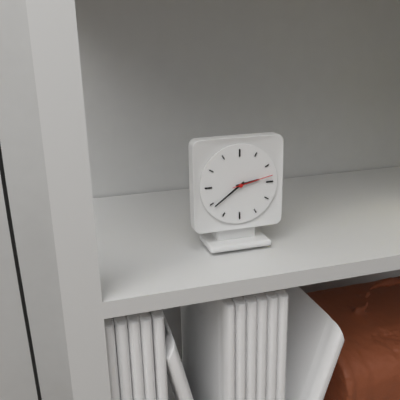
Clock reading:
**2:39**
